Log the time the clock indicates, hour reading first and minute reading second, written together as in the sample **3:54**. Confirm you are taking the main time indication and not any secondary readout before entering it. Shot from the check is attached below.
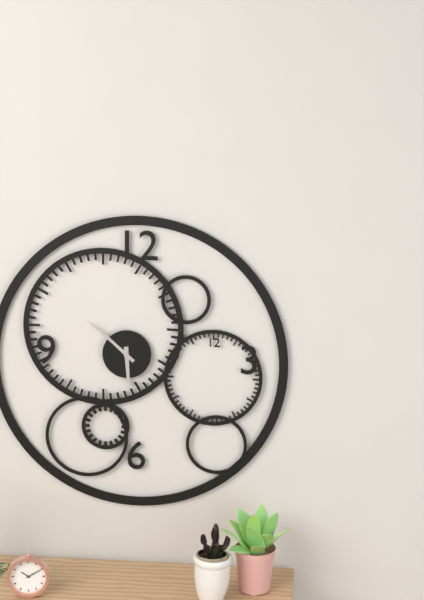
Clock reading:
**5:52**
